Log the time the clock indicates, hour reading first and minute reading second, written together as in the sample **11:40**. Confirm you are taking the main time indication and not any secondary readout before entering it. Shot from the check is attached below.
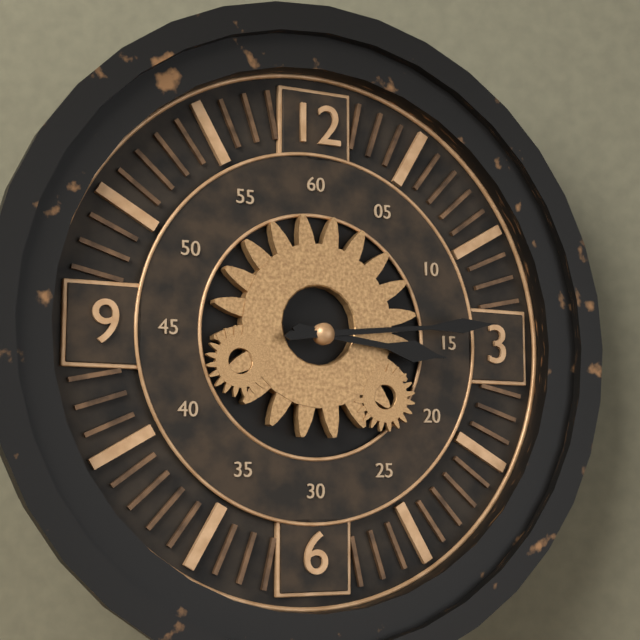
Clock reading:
**3:14**
